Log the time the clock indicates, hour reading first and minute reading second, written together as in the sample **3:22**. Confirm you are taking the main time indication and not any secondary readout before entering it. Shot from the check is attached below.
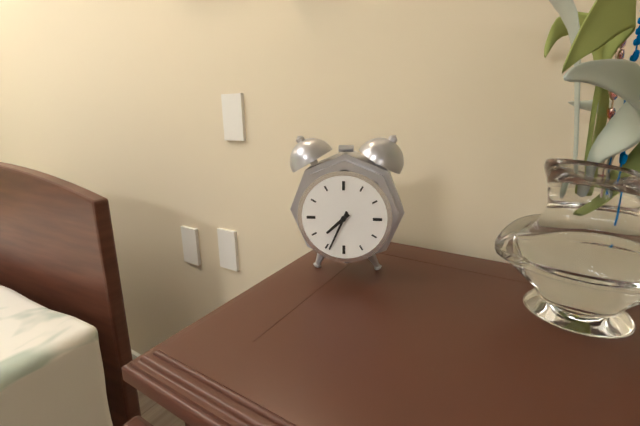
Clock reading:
**7:34**
